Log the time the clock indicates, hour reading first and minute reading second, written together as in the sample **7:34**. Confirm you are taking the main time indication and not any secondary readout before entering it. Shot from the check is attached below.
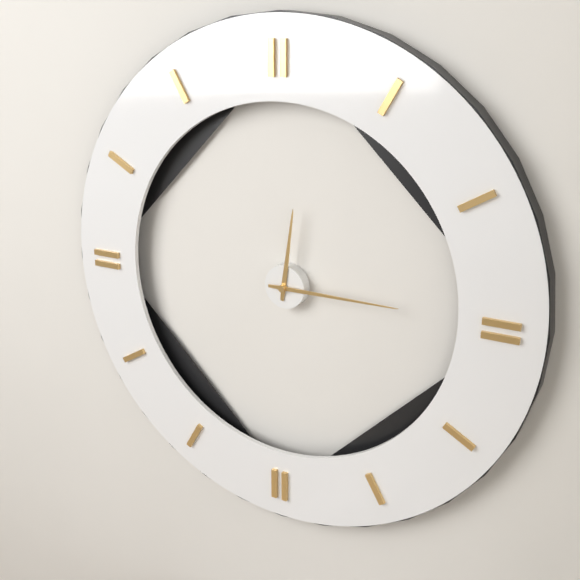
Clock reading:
**12:15**
